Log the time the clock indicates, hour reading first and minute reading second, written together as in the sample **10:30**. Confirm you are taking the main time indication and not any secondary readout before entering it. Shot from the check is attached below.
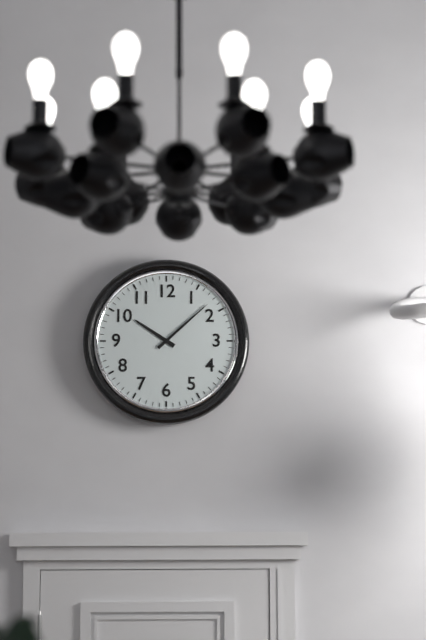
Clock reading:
**10:08**
